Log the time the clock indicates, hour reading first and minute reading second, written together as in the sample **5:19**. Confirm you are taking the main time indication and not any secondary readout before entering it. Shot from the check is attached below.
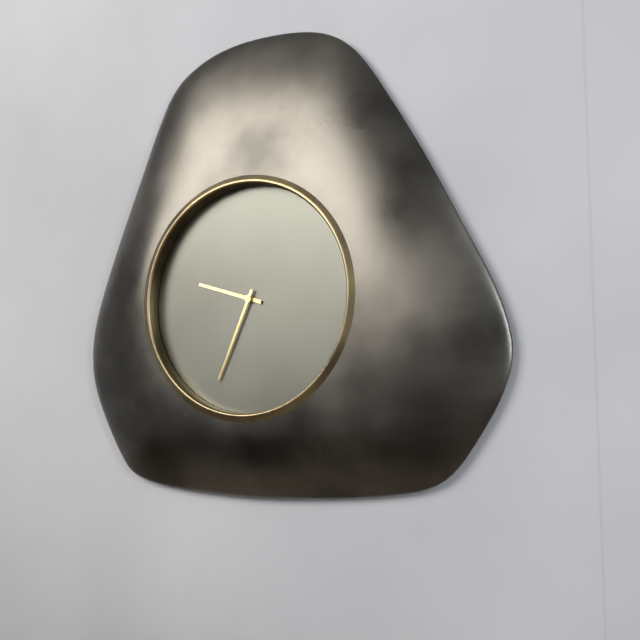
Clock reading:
**9:34**
